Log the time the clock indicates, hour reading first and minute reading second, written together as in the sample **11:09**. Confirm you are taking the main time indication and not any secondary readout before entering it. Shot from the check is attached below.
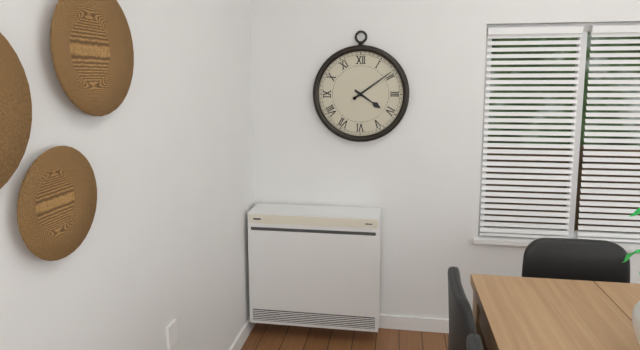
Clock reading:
**4:09**
